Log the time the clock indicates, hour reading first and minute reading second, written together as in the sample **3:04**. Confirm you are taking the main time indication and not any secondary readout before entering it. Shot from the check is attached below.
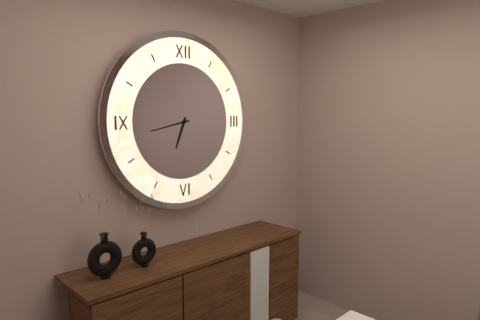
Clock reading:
**6:43**
